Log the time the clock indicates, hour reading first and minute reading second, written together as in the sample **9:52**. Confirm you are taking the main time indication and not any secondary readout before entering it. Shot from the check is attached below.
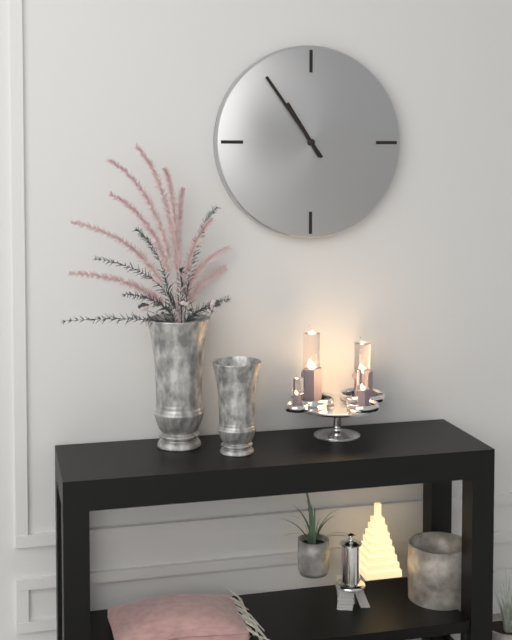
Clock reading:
**10:54**
